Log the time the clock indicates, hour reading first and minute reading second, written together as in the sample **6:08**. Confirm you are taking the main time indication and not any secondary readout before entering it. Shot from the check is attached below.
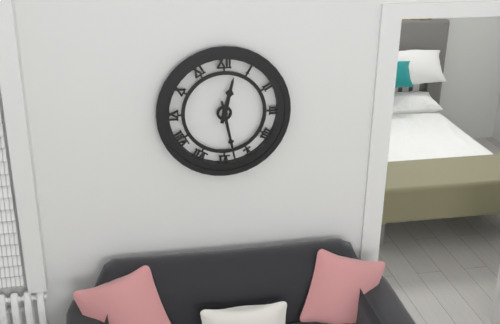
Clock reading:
**12:28**
